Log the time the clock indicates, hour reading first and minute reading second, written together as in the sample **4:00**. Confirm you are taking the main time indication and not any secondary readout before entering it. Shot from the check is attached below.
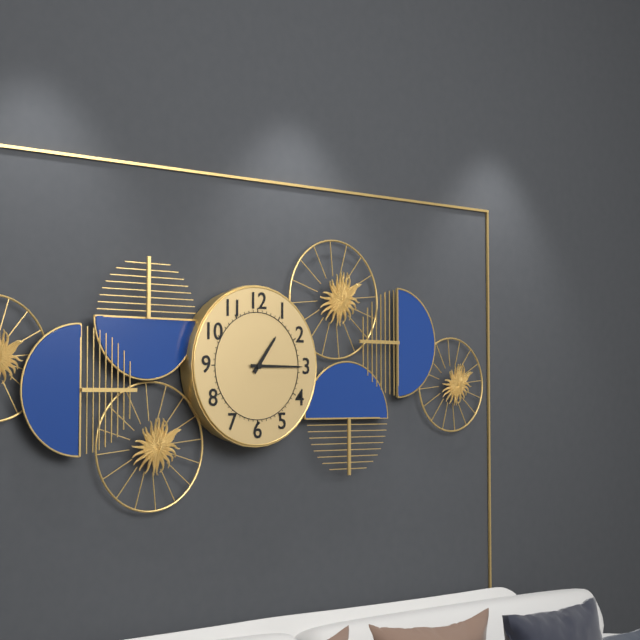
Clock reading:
**1:15**
